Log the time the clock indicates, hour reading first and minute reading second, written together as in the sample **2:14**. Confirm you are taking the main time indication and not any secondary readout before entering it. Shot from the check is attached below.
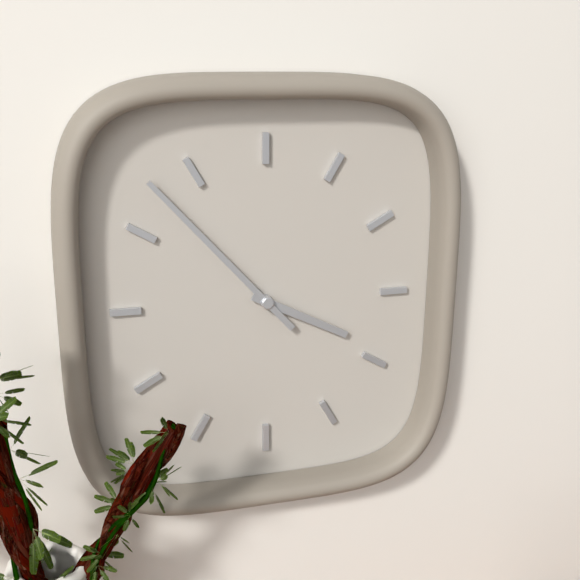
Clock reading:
**3:53**
